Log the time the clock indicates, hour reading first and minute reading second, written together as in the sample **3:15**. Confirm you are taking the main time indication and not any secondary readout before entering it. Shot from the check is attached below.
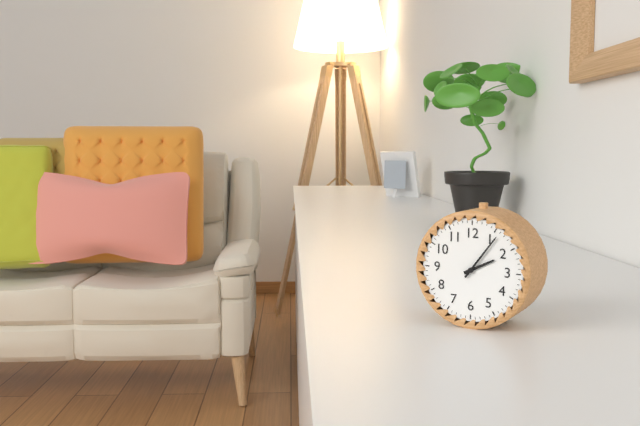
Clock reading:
**2:06**
